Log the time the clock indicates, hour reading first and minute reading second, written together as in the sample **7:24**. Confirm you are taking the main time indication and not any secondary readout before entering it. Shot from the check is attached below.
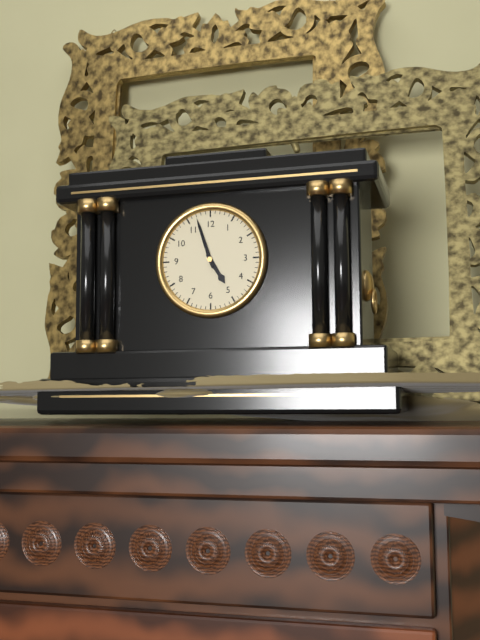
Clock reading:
**4:57**
